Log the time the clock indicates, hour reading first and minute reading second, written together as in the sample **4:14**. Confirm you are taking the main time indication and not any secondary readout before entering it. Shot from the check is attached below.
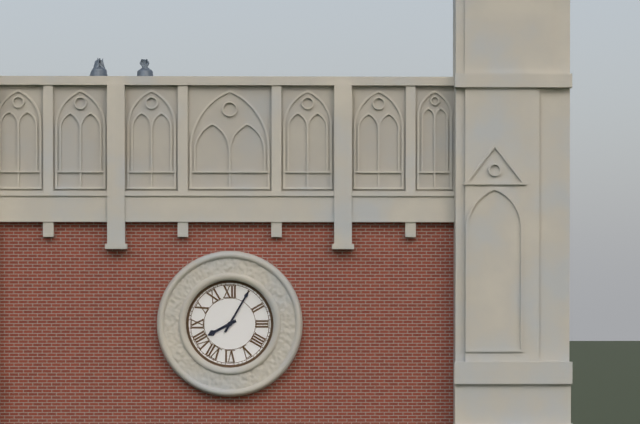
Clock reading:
**8:05**
